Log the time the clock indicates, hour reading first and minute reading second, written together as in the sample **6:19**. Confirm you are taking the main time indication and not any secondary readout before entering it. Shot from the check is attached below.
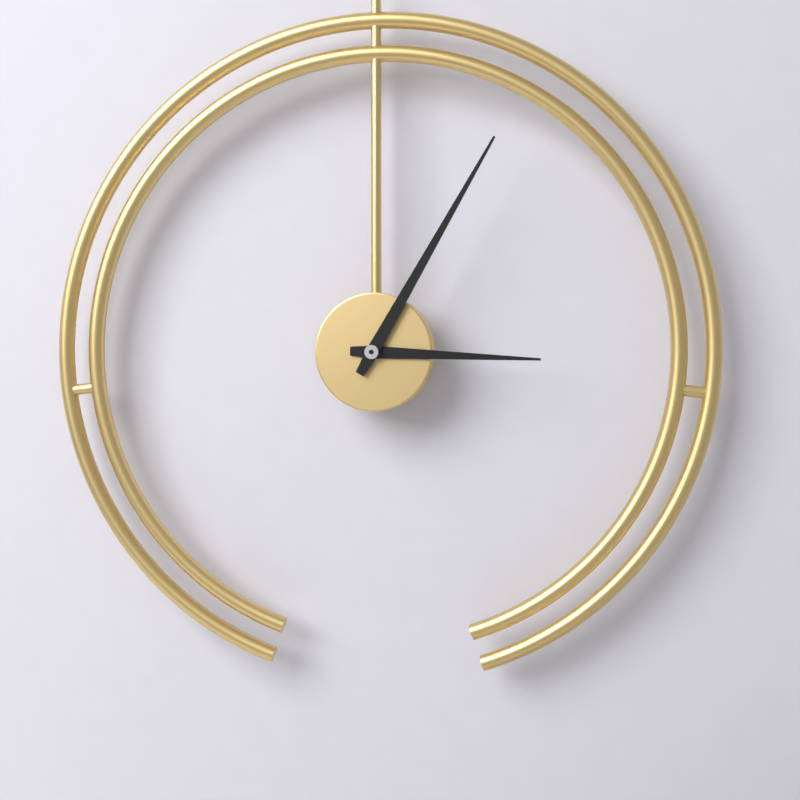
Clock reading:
**3:05**
